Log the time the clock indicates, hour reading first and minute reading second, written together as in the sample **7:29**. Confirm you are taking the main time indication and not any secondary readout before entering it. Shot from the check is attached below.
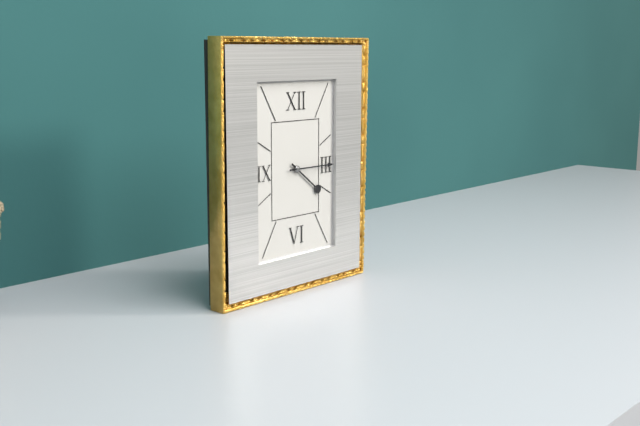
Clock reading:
**4:15**
